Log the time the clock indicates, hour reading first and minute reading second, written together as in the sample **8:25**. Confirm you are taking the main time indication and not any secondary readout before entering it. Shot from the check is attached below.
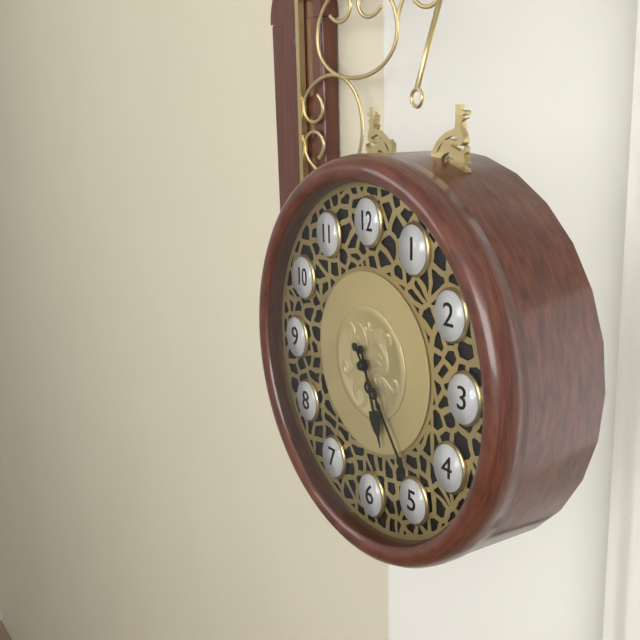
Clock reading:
**5:24**
